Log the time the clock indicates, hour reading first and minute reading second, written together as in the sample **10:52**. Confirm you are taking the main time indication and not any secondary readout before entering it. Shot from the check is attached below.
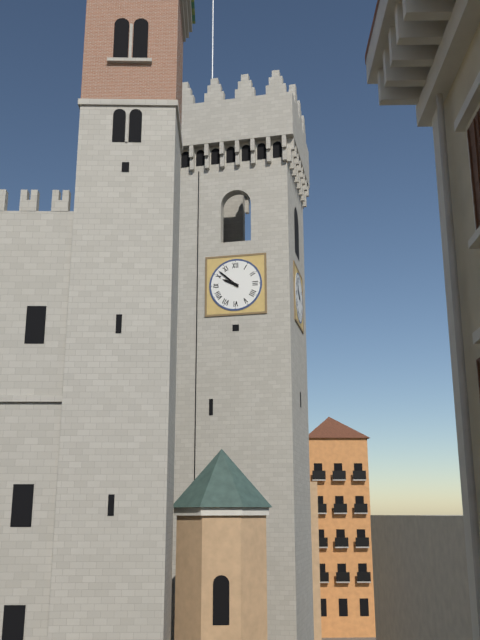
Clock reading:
**9:52**
